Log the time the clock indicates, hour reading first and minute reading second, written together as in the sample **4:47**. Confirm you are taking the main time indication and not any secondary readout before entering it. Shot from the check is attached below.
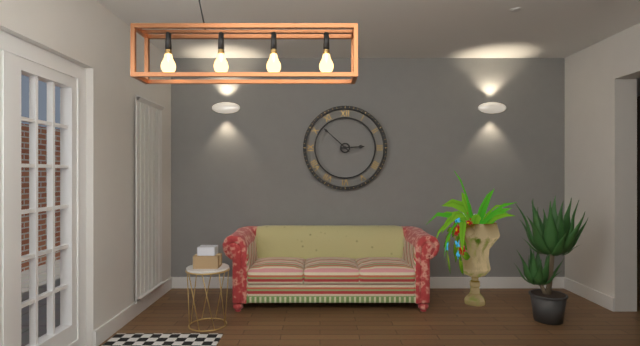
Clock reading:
**2:52**
